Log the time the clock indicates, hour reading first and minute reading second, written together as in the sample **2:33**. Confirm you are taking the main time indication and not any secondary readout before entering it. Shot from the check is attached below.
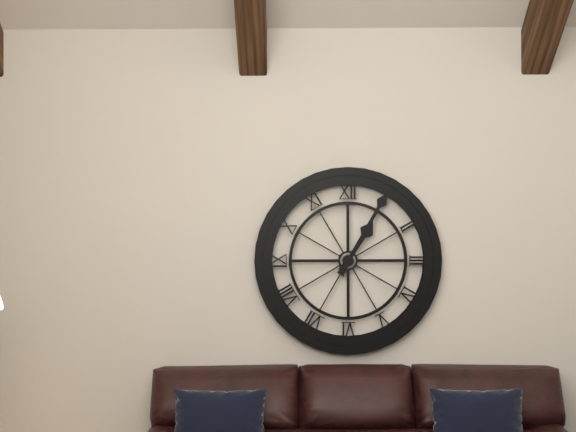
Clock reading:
**1:05**
